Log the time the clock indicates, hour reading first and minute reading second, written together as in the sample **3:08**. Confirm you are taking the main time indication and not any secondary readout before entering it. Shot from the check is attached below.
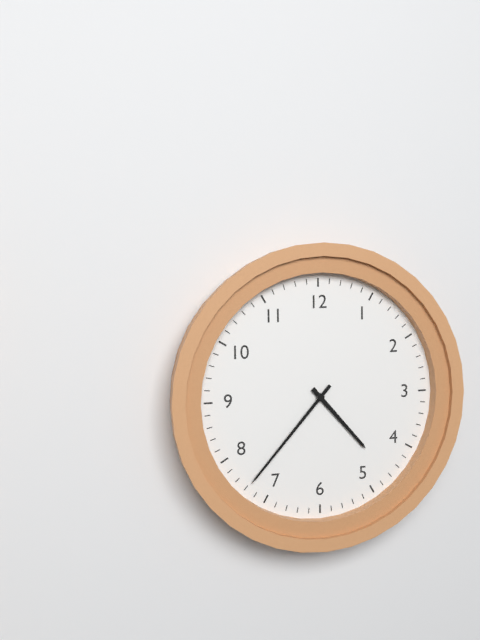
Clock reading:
**4:37**
